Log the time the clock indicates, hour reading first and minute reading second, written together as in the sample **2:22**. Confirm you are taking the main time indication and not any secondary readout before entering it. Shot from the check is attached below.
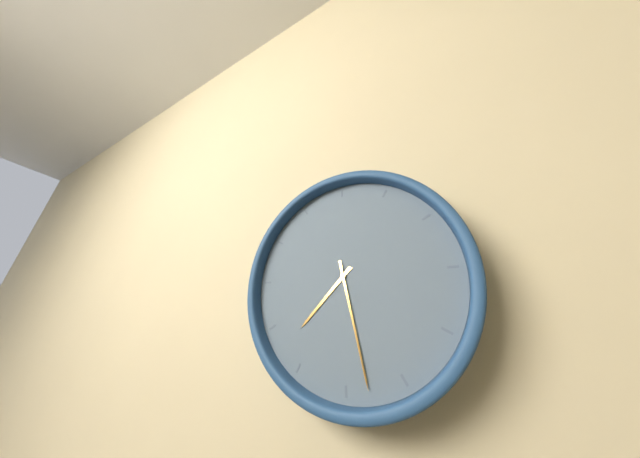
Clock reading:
**7:28**
